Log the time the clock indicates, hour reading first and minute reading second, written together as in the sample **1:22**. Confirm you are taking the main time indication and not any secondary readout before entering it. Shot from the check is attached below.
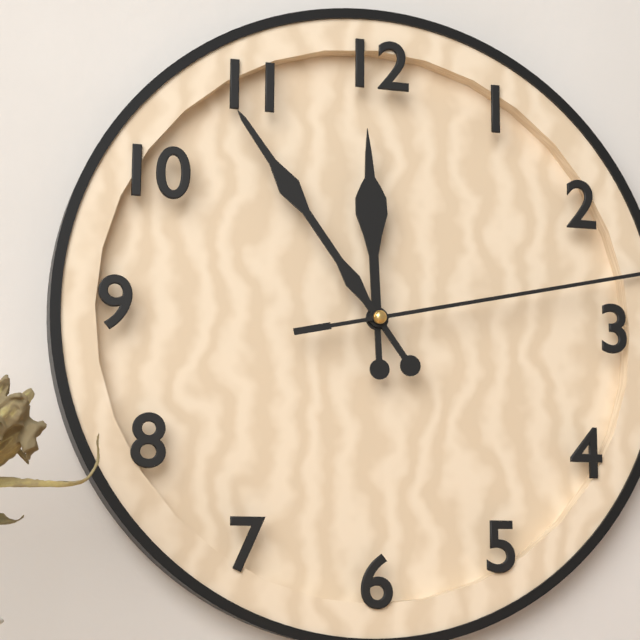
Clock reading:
**11:54**
